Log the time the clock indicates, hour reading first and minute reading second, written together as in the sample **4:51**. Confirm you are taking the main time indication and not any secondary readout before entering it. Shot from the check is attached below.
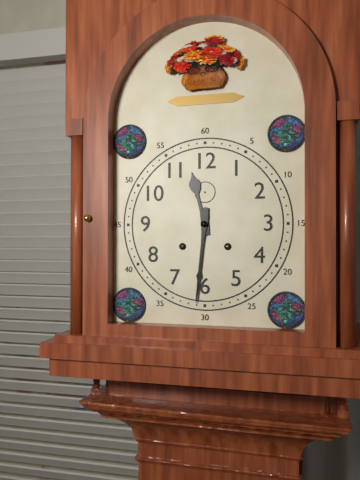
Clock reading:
**11:31**
